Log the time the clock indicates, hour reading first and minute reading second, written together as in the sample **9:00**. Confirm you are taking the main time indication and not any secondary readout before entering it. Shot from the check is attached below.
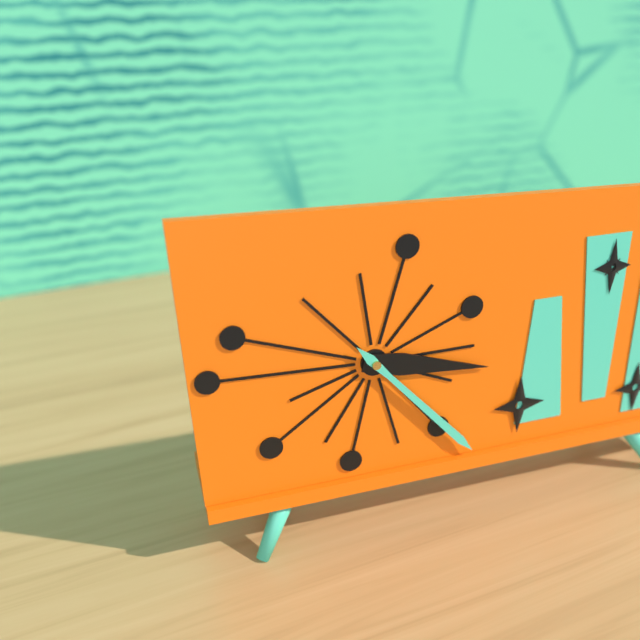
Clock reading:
**3:23**
